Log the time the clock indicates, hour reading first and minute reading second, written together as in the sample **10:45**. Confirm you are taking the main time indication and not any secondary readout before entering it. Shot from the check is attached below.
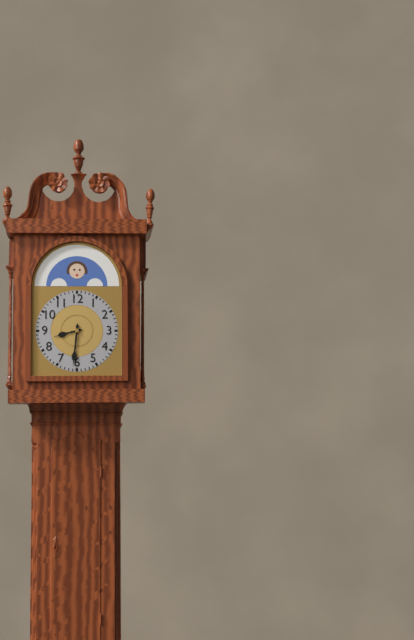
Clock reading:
**8:31**
